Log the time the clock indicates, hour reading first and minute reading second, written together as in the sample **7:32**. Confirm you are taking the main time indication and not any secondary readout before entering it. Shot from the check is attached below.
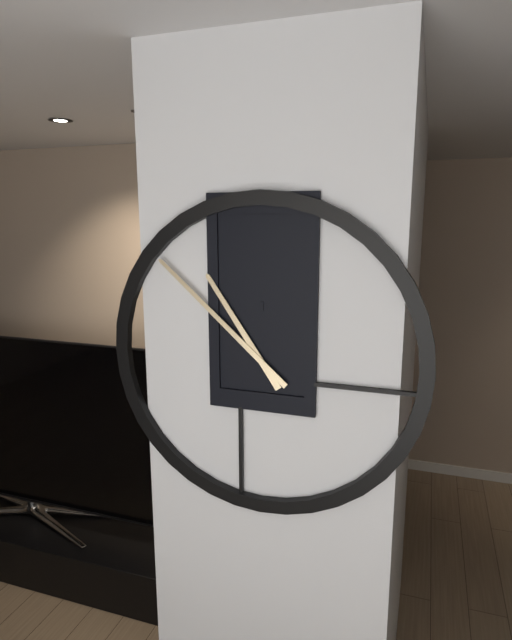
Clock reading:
**10:52**
